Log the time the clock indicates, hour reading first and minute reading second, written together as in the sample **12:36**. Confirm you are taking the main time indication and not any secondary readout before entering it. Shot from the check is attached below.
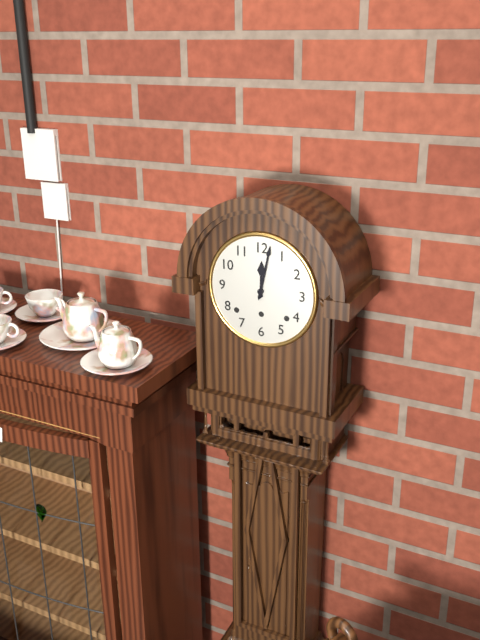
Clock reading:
**12:02**
